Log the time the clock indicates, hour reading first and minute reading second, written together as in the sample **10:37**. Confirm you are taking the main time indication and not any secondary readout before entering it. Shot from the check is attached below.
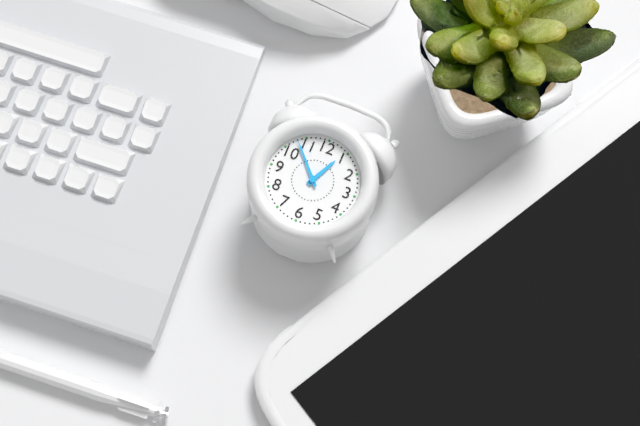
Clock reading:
**12:53**
